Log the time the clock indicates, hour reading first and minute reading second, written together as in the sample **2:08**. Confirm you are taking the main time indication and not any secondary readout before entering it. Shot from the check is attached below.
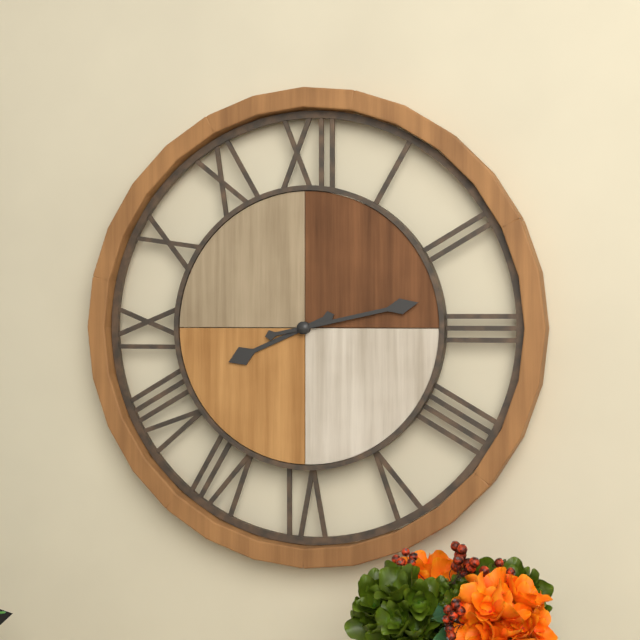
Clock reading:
**8:13**
